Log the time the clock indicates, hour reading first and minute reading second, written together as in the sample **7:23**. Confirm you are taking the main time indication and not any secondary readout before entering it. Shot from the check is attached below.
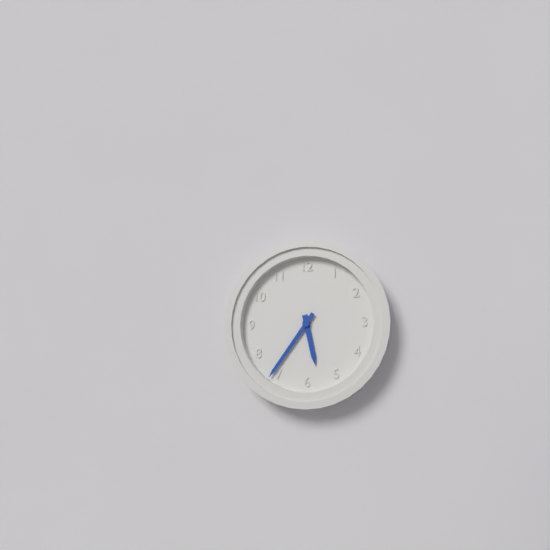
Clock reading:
**5:36**
